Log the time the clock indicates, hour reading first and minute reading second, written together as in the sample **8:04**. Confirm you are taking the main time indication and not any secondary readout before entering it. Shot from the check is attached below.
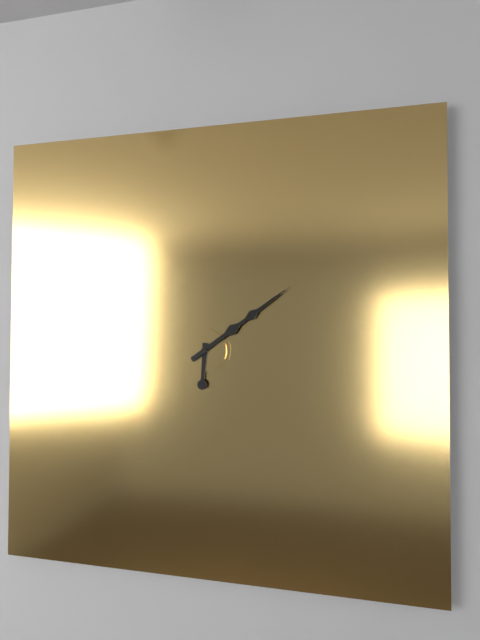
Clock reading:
**6:09**
